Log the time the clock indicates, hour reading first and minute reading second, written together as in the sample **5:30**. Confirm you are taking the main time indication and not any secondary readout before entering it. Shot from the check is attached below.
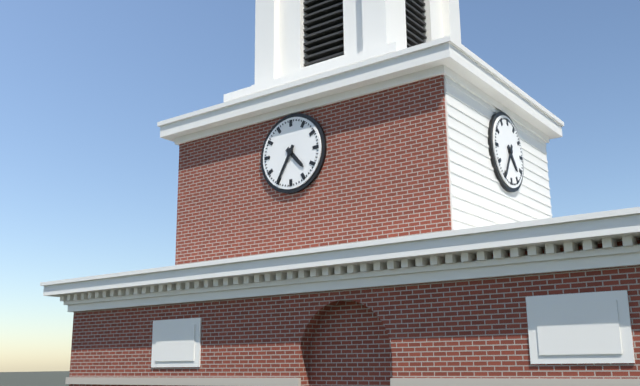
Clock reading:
**4:35**
